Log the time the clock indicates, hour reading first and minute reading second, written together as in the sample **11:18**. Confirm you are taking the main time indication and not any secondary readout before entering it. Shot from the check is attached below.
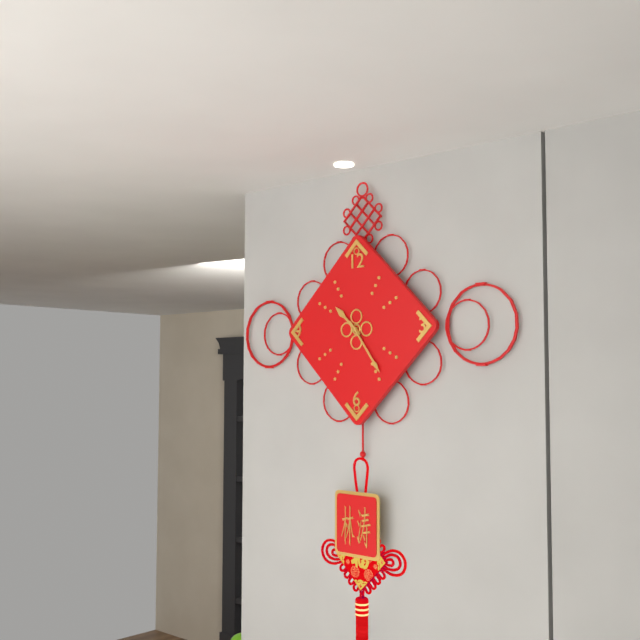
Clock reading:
**10:24**
